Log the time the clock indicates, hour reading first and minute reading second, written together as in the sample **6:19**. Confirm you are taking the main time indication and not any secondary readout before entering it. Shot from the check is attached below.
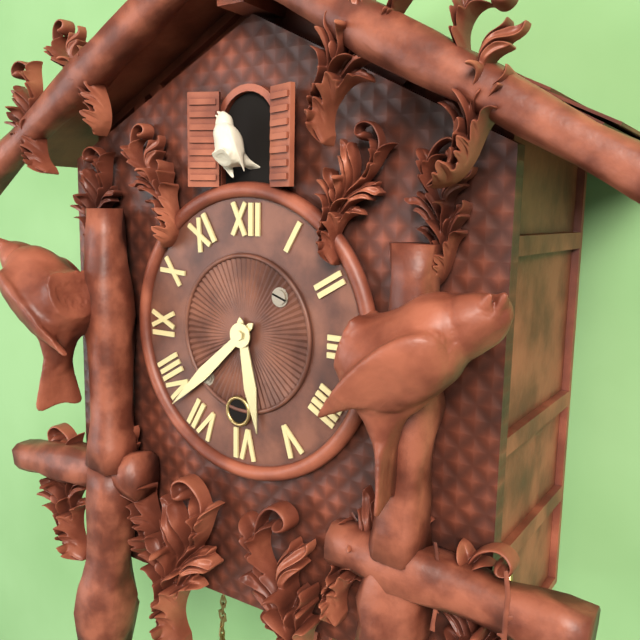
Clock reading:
**5:38**
